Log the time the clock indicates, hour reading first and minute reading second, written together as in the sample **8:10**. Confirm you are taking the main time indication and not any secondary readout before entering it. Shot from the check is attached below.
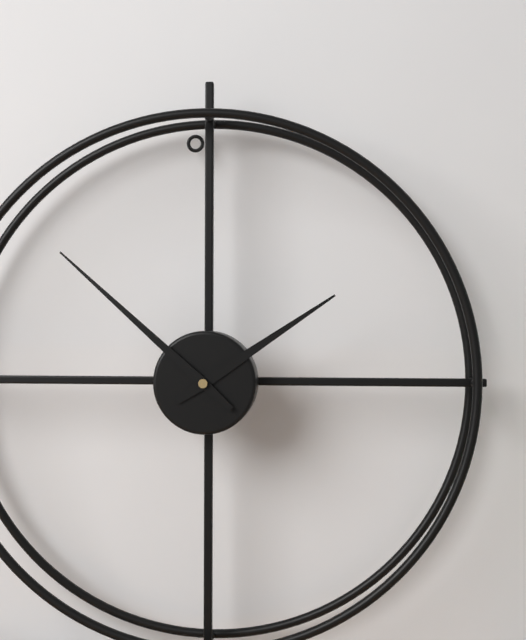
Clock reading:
**1:52**
